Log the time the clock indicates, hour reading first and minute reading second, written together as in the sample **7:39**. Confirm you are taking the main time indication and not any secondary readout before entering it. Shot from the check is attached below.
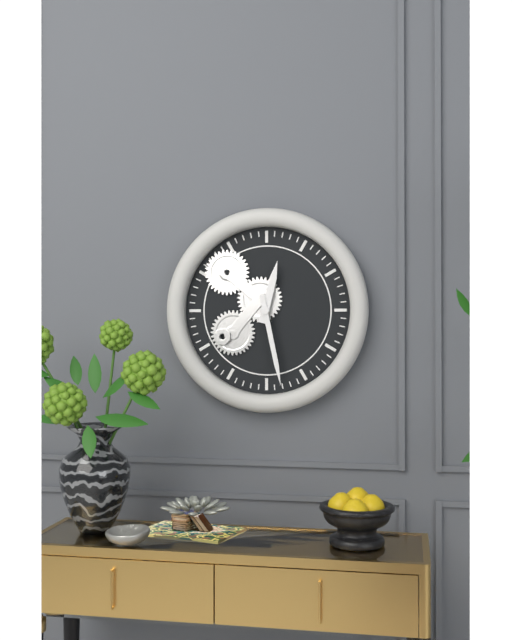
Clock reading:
**12:28**
